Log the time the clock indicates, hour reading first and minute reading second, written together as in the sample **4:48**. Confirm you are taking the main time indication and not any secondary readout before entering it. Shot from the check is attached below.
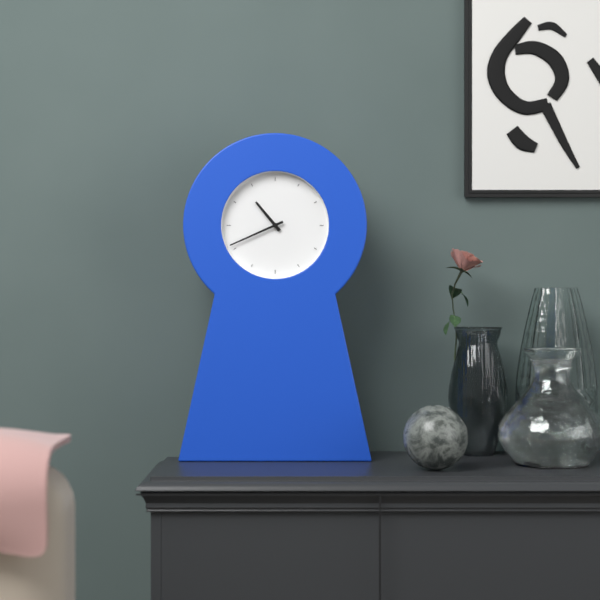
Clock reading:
**10:41**
